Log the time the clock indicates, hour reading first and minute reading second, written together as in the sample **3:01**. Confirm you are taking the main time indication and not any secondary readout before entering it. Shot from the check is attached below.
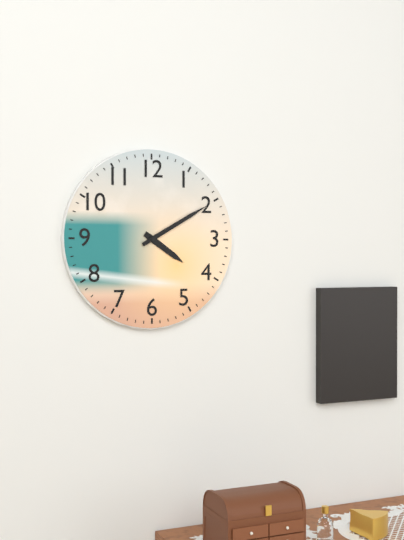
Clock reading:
**4:10**
